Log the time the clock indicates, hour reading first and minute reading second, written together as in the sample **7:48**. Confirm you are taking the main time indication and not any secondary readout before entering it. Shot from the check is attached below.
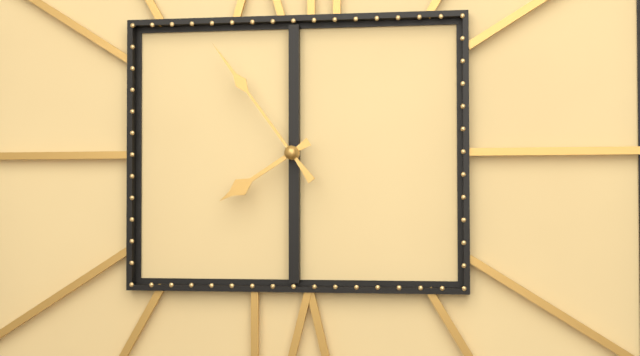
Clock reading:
**7:54**
